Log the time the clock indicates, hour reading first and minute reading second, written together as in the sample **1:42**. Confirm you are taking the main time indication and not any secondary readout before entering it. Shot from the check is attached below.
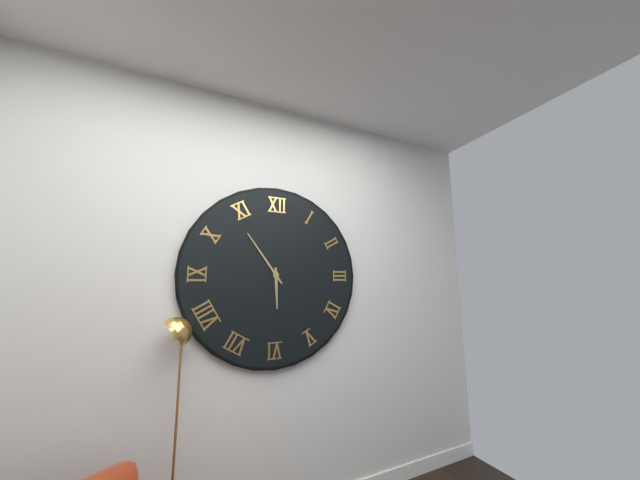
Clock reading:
**5:54**
